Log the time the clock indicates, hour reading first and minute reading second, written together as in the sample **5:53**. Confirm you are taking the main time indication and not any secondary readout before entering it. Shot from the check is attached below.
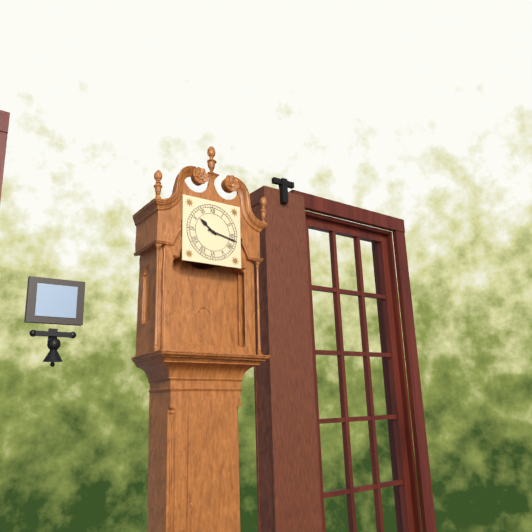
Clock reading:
**10:17**
